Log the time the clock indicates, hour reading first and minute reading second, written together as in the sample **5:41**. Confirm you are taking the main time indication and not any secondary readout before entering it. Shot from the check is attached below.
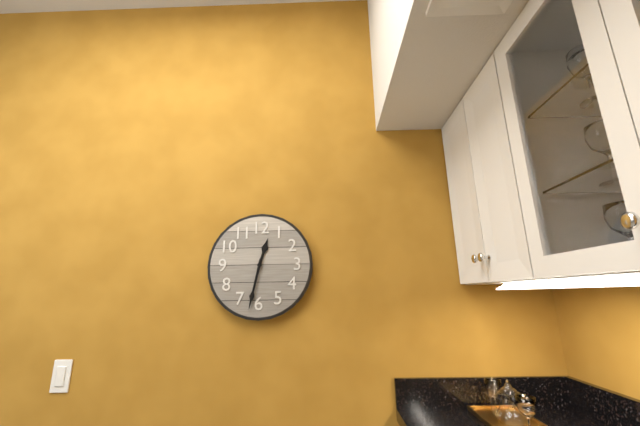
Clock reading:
**12:32**
